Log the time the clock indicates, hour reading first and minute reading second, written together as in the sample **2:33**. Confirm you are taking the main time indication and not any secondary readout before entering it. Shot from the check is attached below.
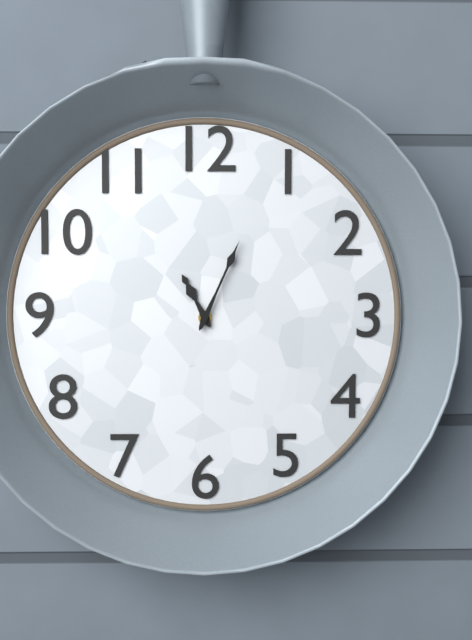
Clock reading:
**11:04**
